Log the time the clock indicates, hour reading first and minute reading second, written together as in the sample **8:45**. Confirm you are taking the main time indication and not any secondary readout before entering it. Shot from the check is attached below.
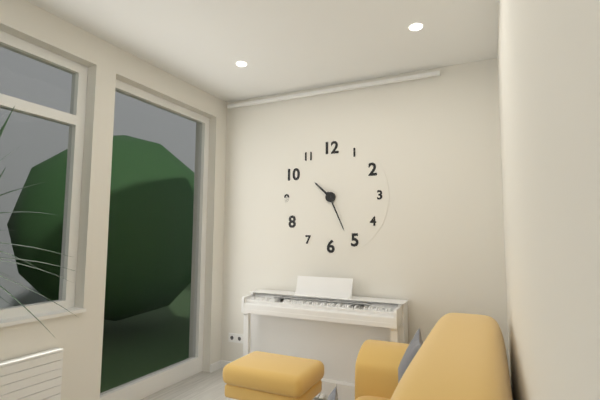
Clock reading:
**10:26**
